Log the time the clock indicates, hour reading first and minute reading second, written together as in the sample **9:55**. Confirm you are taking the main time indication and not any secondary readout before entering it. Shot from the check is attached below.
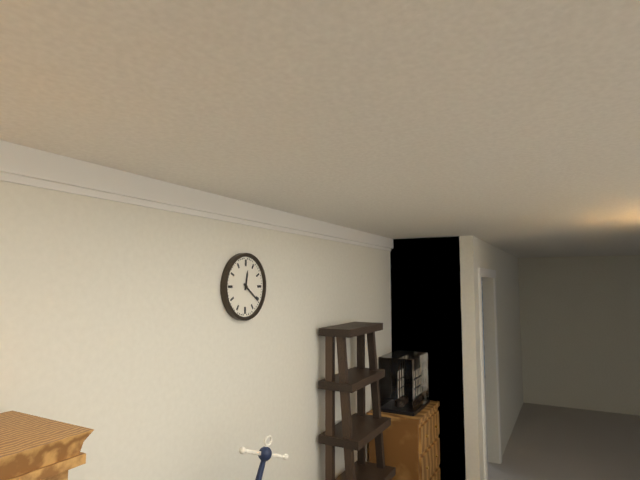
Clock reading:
**12:21**
